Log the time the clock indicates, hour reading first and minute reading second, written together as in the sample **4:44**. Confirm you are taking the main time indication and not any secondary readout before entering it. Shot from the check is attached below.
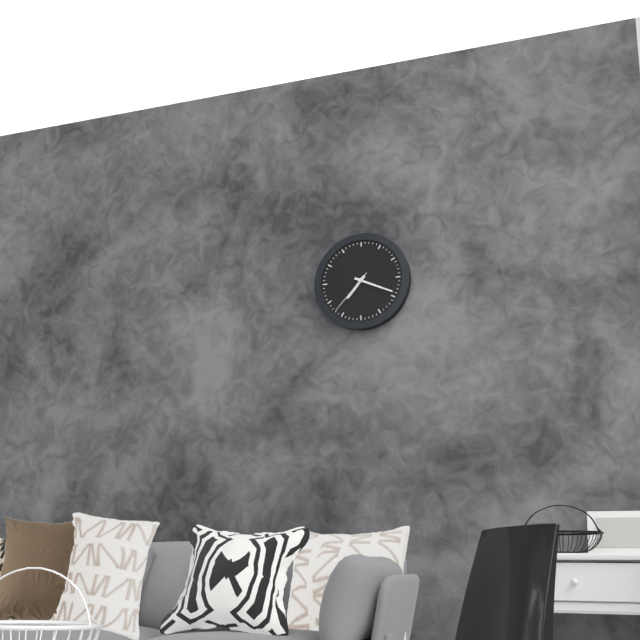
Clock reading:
**7:19**
